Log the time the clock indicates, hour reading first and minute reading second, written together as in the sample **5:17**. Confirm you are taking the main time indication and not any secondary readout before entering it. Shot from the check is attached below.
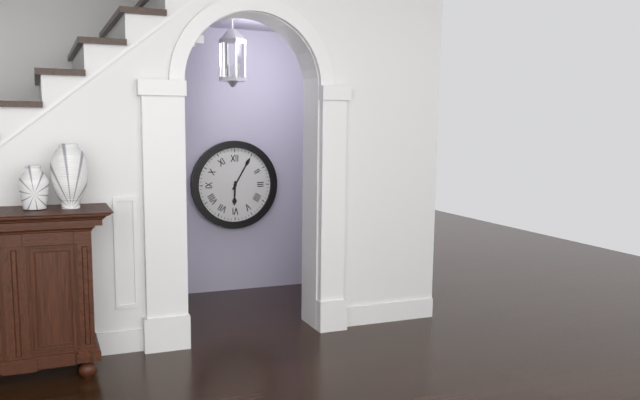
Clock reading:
**6:05**
